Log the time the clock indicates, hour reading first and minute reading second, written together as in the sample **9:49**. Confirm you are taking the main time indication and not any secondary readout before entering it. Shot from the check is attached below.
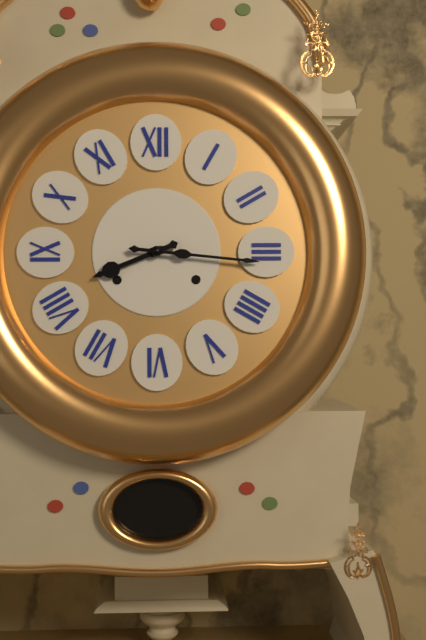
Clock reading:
**8:16**
